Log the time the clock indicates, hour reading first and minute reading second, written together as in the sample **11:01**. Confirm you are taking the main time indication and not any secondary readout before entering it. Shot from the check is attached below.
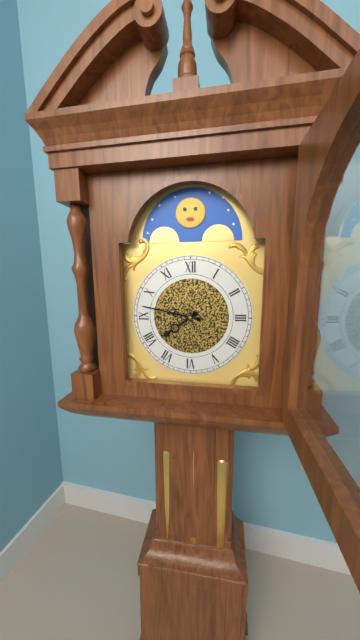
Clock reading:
**7:47**
